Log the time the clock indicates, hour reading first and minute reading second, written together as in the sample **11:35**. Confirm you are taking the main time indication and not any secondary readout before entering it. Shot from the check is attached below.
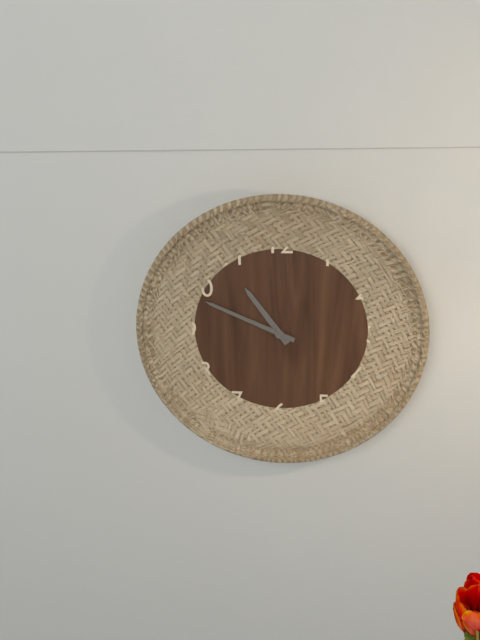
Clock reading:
**10:49**
